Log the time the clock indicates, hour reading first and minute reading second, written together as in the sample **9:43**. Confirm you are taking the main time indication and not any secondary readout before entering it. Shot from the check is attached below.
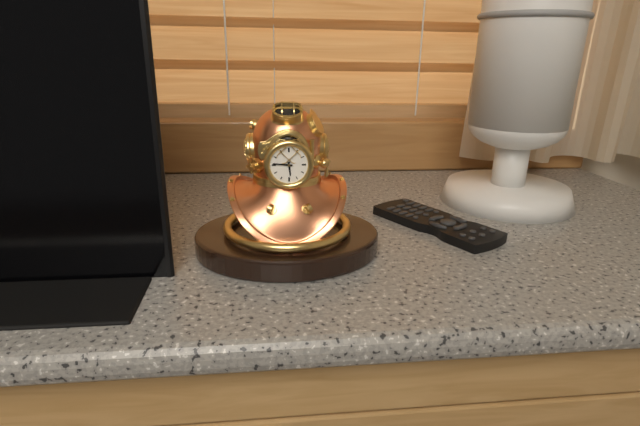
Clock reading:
**5:46**
